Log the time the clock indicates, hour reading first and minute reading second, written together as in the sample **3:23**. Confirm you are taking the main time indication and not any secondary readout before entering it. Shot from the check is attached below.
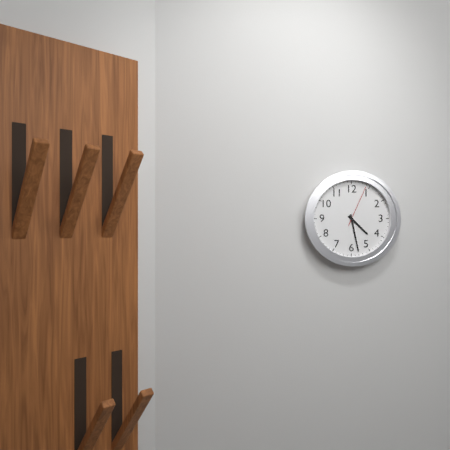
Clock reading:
**4:28**
